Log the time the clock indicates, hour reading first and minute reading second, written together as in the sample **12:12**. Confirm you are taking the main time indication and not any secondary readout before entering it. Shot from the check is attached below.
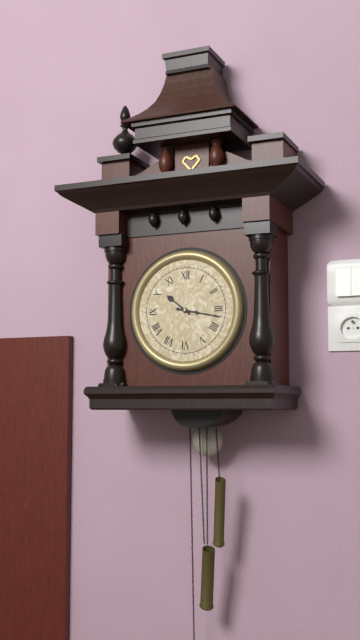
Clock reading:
**10:17**
